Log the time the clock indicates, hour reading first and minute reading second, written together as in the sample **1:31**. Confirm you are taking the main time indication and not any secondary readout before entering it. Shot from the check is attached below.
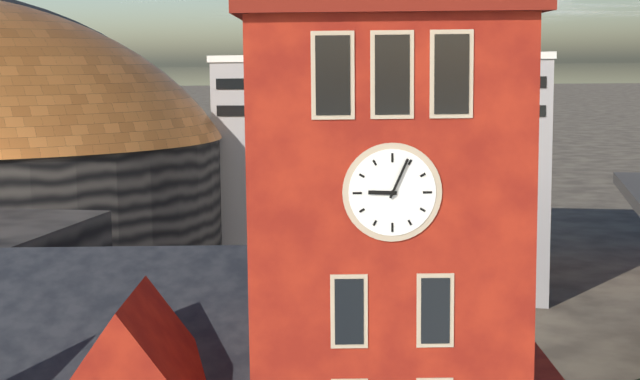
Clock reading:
**9:04**
